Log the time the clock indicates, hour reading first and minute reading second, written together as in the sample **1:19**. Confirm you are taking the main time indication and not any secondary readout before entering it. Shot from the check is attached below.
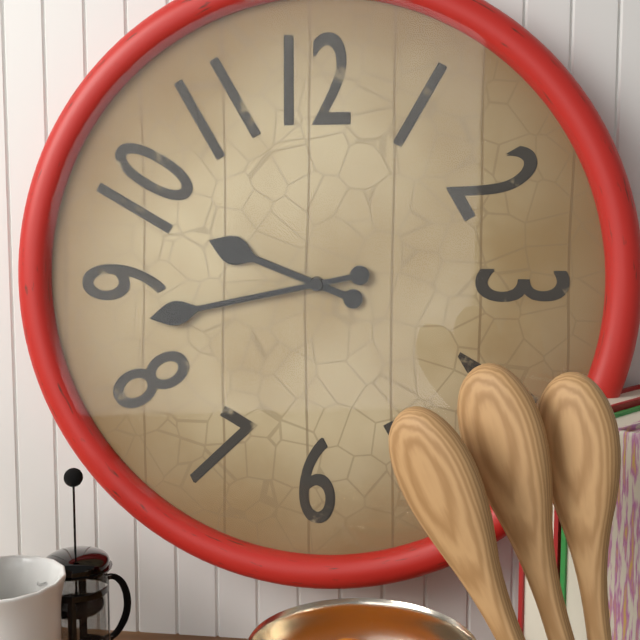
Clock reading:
**9:43**
